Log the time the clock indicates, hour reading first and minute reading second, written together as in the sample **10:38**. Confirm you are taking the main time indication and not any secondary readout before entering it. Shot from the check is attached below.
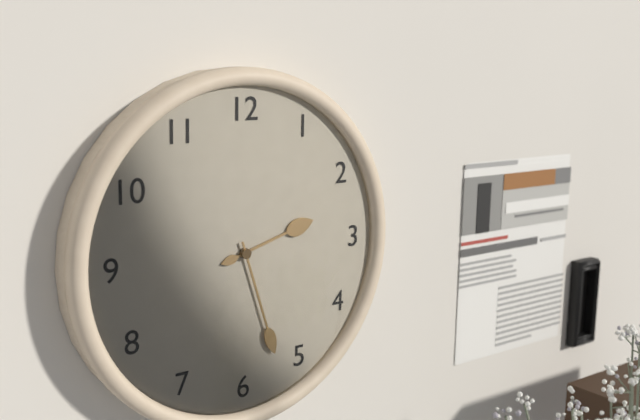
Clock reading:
**2:27**
